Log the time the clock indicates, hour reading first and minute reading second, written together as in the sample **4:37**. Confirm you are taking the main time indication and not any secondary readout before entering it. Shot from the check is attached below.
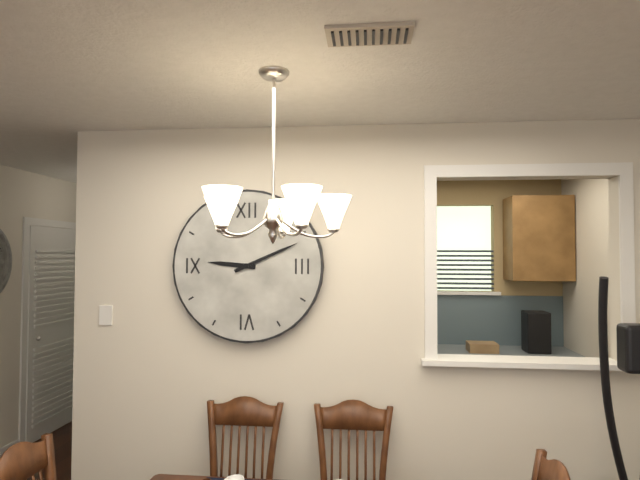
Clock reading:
**9:11**
